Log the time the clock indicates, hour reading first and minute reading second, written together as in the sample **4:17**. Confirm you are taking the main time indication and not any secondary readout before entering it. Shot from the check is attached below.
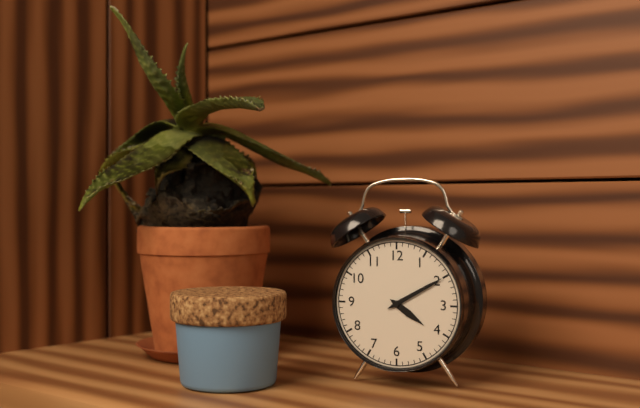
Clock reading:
**4:10**
